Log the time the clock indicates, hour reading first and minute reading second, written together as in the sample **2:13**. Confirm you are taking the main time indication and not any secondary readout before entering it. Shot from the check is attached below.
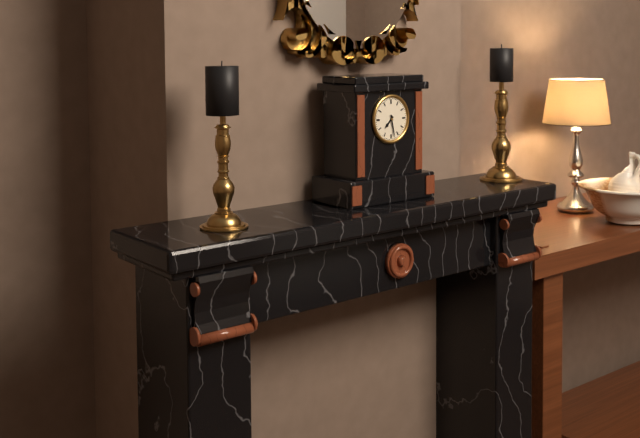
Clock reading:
**7:28**
